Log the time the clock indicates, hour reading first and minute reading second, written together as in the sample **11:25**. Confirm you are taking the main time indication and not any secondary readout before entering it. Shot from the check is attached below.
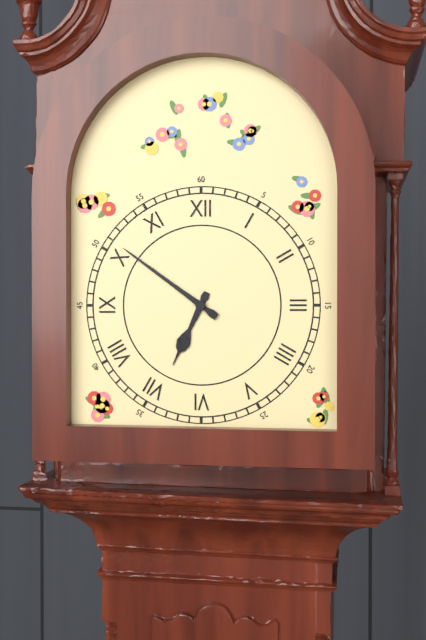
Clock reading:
**6:51**
